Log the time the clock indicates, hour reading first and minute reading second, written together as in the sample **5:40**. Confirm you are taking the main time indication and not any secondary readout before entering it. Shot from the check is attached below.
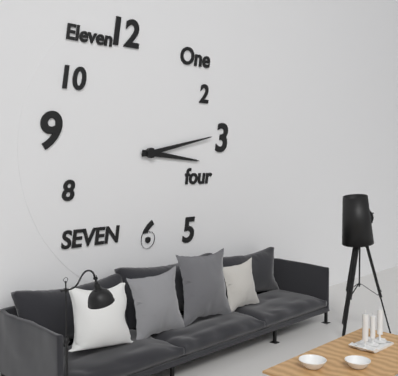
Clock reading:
**3:13**
